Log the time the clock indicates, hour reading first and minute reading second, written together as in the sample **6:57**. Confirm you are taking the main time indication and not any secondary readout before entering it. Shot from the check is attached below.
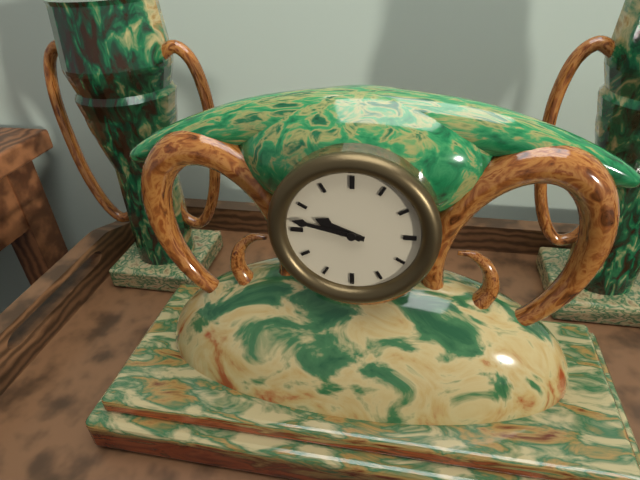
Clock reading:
**9:47**
